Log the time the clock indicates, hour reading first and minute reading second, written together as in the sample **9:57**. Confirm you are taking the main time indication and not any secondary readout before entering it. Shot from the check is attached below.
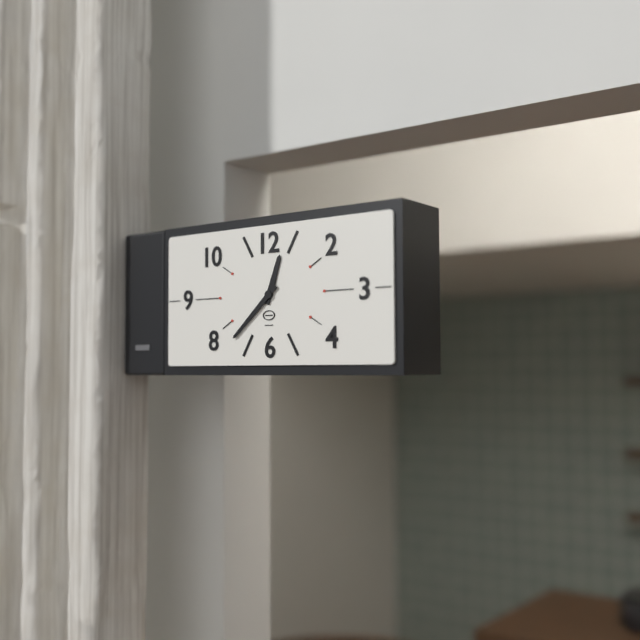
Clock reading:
**12:38**
